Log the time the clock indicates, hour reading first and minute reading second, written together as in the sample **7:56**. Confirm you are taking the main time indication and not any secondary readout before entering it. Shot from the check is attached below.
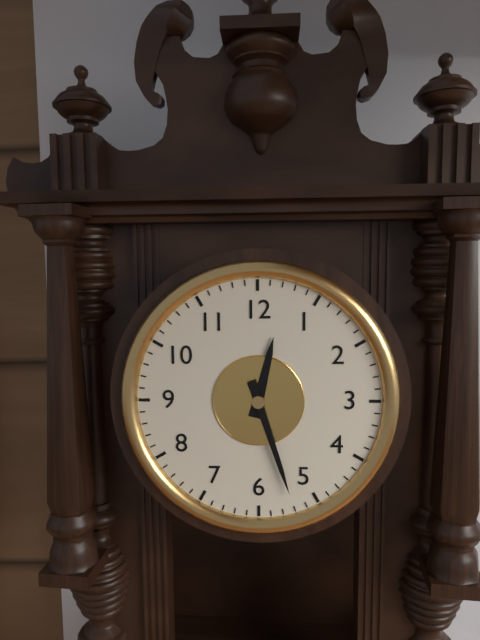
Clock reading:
**12:27**
